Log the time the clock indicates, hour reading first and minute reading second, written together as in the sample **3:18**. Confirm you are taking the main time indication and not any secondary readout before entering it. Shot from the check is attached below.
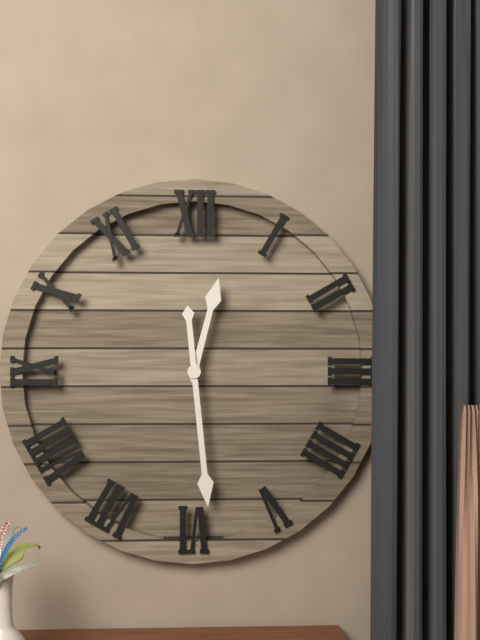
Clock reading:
**12:29**
